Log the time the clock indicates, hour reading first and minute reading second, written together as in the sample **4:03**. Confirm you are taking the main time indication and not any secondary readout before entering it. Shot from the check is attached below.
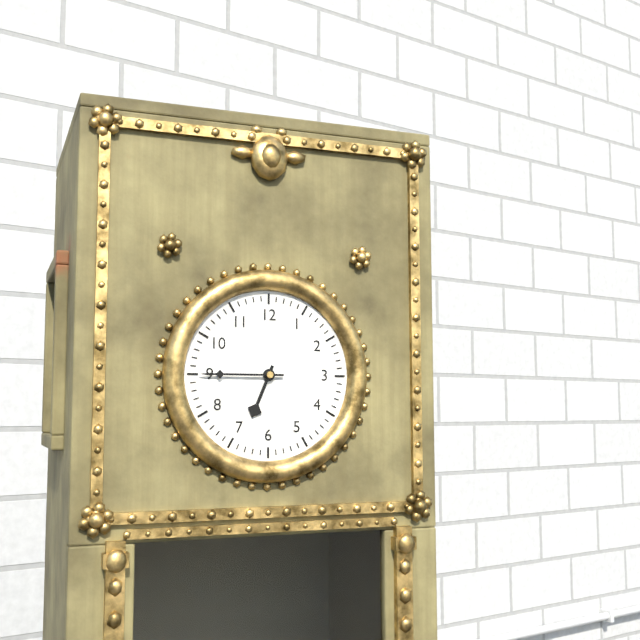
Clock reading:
**6:45**
